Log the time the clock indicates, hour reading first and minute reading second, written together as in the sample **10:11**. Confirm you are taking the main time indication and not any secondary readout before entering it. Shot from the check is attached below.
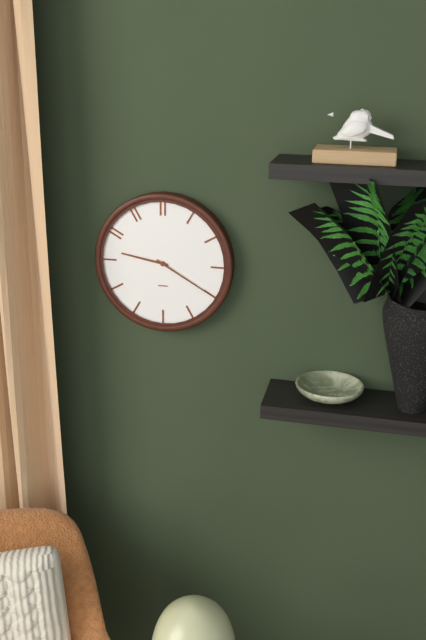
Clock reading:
**9:20**
